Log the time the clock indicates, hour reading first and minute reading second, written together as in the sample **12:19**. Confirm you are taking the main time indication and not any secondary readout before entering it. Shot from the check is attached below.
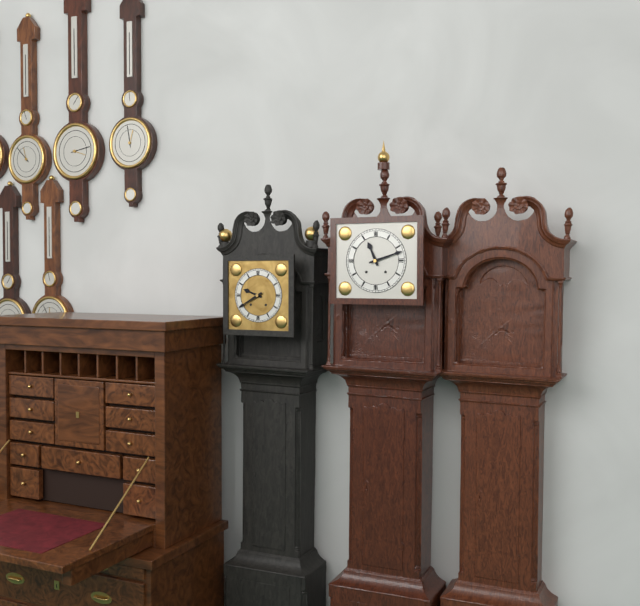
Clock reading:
**11:12**
